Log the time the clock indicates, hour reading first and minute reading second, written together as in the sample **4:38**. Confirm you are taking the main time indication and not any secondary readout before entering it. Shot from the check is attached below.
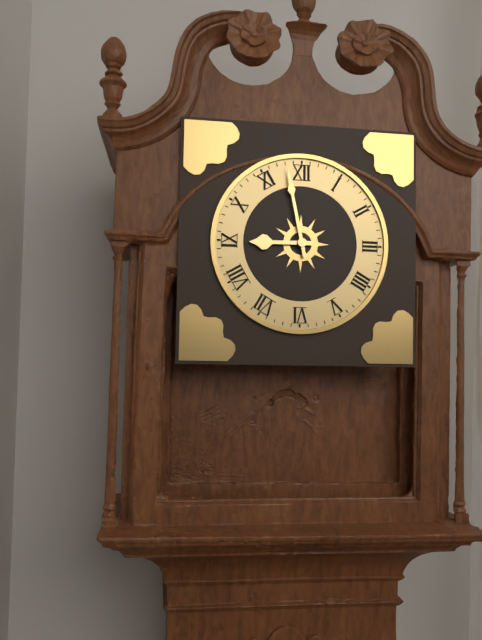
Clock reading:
**8:58**
